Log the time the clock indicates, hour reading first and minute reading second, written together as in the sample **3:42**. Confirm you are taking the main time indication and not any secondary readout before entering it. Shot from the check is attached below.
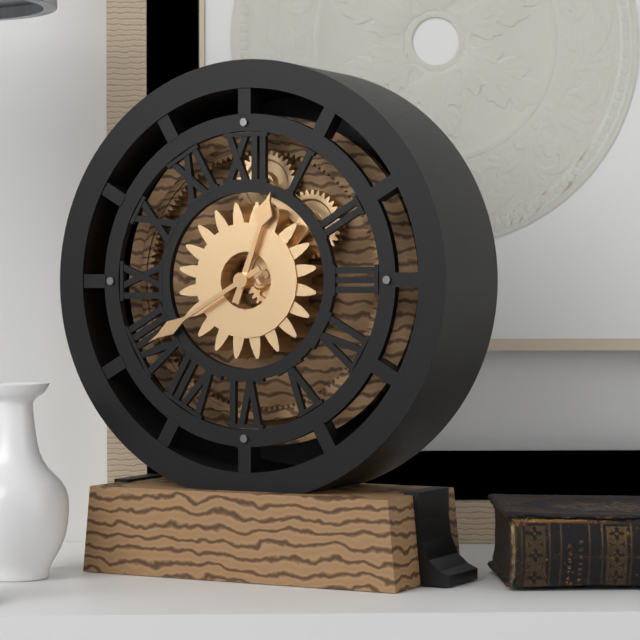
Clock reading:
**12:40**
